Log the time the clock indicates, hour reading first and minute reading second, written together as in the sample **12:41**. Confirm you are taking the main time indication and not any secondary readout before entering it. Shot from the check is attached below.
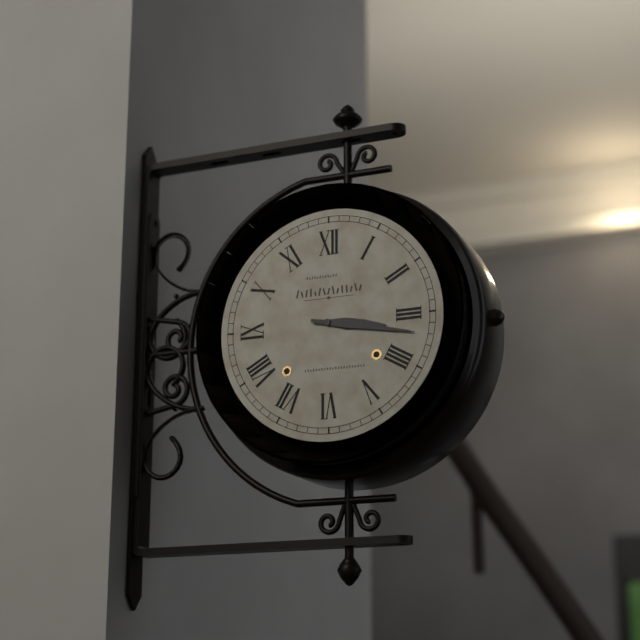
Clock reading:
**3:17**
